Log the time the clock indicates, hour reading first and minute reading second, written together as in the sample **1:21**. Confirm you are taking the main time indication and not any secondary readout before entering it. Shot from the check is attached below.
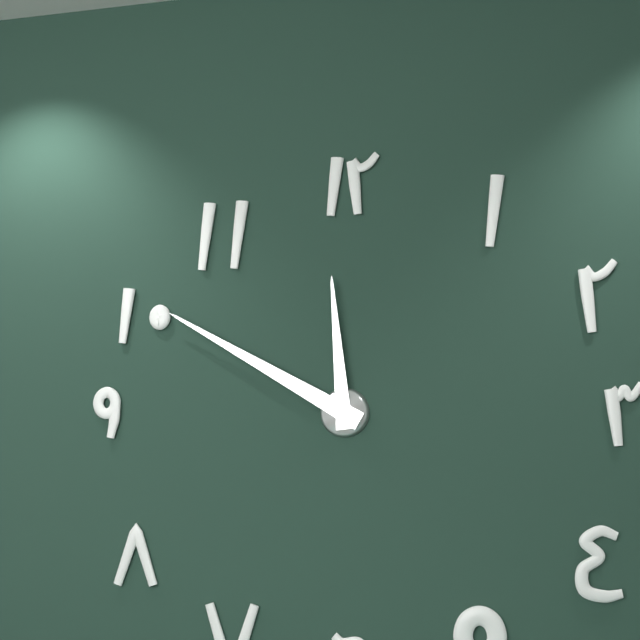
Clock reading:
**11:50**
